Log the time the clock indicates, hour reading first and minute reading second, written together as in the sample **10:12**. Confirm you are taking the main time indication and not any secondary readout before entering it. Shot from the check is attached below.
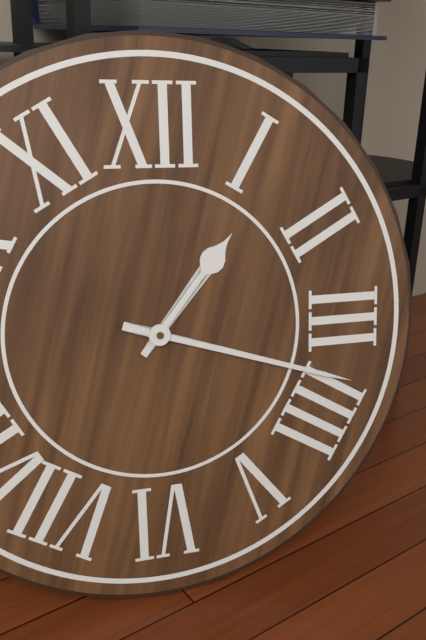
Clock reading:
**1:18**
